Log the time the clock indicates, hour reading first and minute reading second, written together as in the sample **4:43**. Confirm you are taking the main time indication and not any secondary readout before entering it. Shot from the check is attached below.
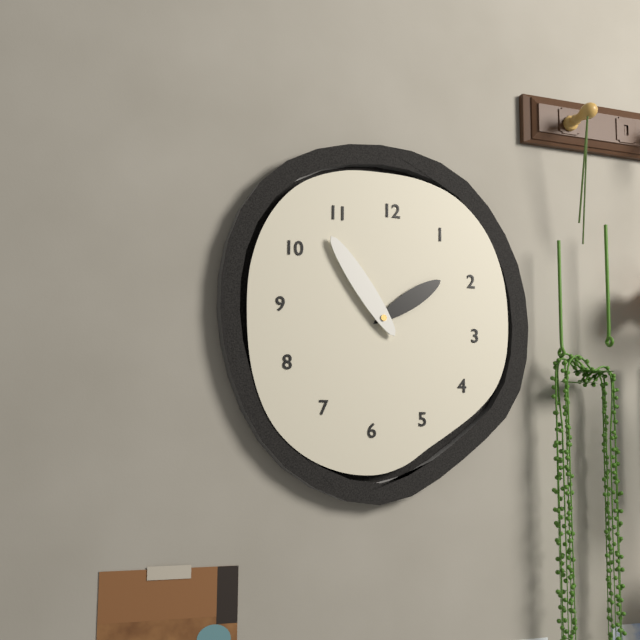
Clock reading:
**1:54**
